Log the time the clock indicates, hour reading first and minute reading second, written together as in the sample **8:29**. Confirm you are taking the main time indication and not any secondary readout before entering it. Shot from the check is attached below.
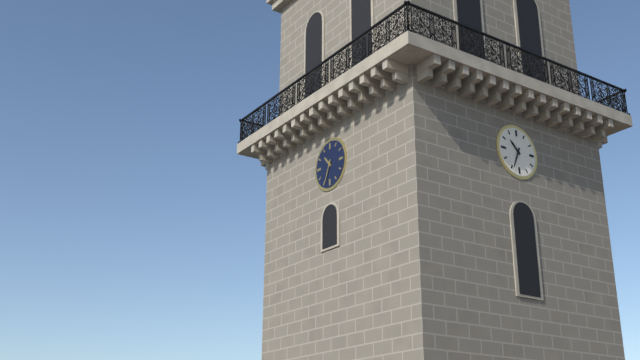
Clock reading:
**10:34**
